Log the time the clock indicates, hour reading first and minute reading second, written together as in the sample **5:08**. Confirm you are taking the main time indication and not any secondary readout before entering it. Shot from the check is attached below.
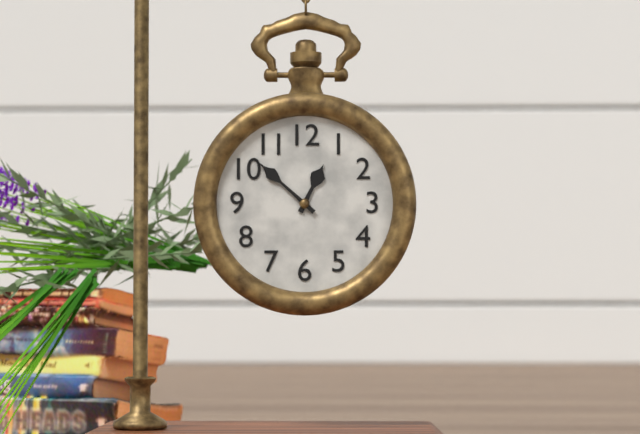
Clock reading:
**12:52**
